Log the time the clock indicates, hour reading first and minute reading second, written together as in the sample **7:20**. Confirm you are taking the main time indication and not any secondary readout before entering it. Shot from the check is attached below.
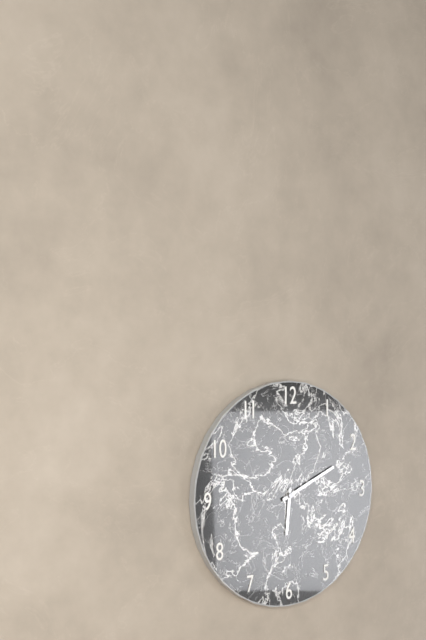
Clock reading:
**6:11**
